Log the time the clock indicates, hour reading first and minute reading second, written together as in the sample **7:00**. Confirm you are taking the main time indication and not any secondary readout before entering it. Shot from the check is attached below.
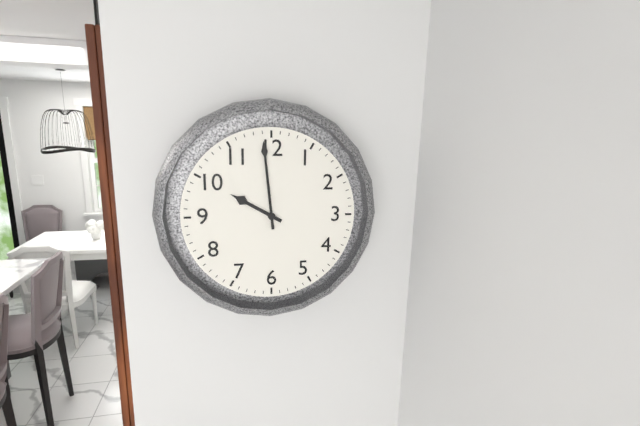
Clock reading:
**9:59**
